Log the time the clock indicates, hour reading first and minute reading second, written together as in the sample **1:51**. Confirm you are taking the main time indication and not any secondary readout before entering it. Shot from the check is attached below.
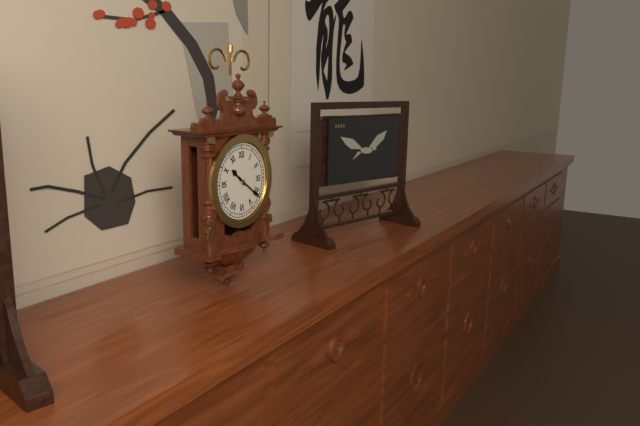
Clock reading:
**10:21**
